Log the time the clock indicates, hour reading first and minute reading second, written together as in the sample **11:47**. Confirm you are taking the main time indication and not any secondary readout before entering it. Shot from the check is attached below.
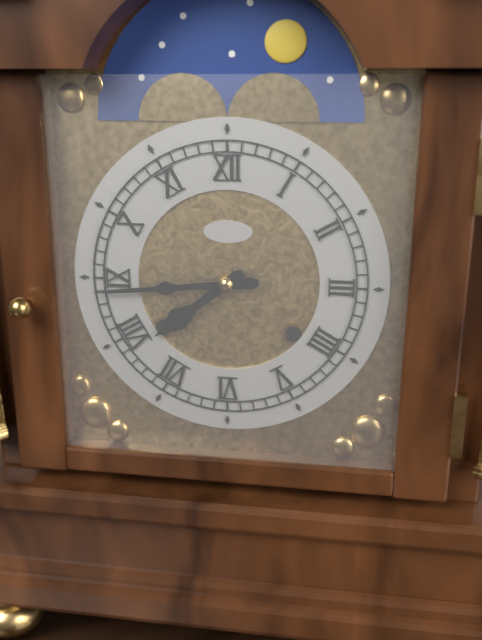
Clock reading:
**7:44**
